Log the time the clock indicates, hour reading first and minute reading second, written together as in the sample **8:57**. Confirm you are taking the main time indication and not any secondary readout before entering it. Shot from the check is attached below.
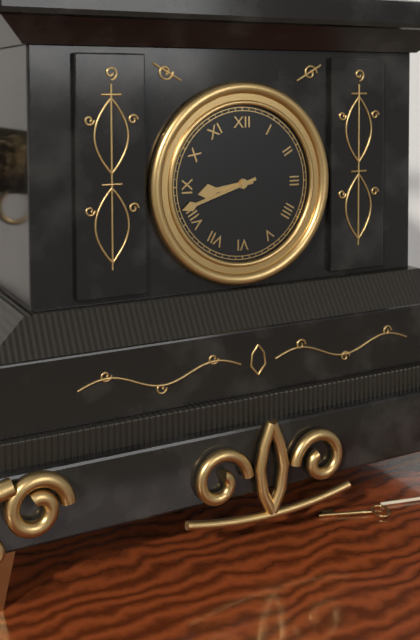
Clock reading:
**8:42**
